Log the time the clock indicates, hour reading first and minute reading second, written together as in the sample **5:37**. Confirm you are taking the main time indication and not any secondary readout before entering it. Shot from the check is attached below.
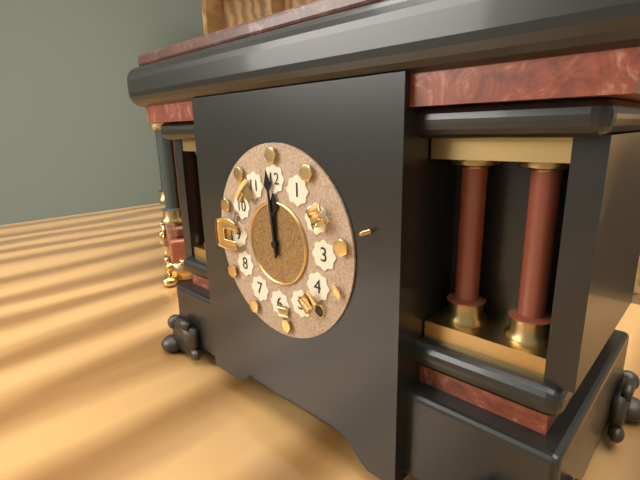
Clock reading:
**11:59**
